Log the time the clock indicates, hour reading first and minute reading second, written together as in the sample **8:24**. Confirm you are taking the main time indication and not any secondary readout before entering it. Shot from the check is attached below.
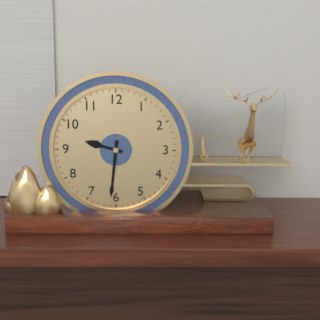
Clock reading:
**9:31**
